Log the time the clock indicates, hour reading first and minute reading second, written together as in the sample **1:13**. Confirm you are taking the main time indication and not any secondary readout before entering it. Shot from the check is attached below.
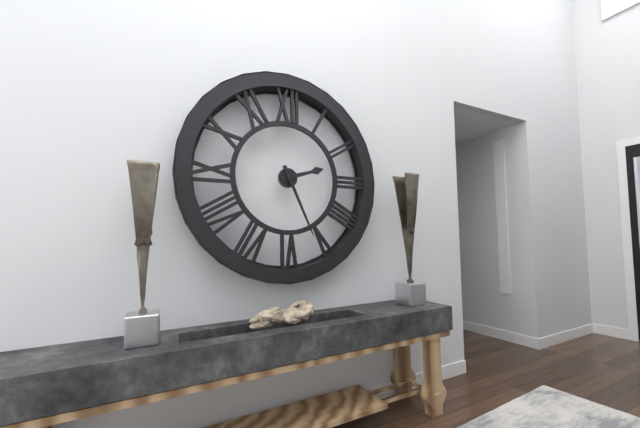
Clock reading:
**2:26**
